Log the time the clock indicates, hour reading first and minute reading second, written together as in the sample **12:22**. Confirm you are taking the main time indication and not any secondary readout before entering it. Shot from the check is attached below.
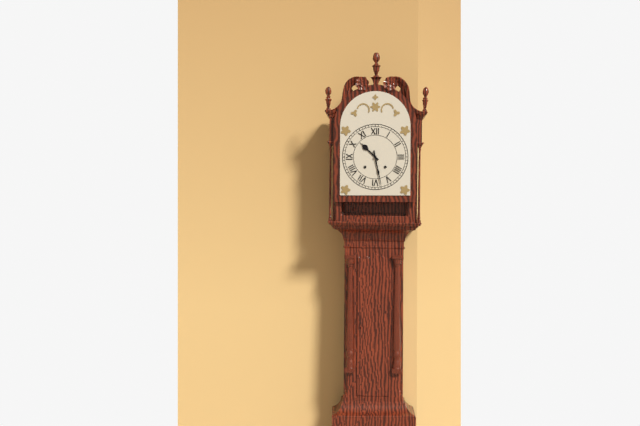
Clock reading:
**10:28**
